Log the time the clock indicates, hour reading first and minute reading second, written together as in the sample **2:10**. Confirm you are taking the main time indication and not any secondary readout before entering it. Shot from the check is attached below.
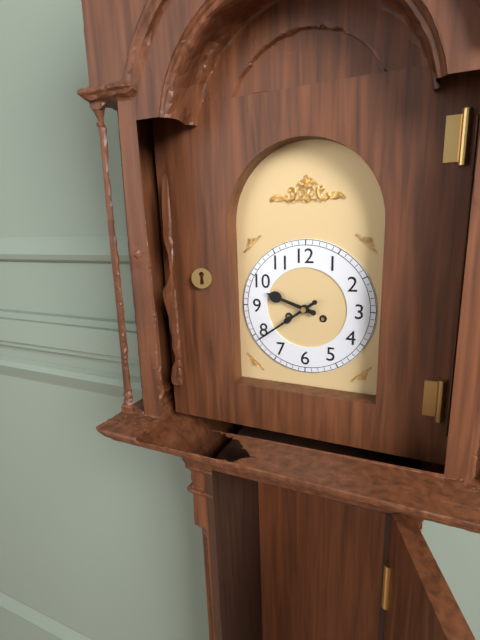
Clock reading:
**9:39**
